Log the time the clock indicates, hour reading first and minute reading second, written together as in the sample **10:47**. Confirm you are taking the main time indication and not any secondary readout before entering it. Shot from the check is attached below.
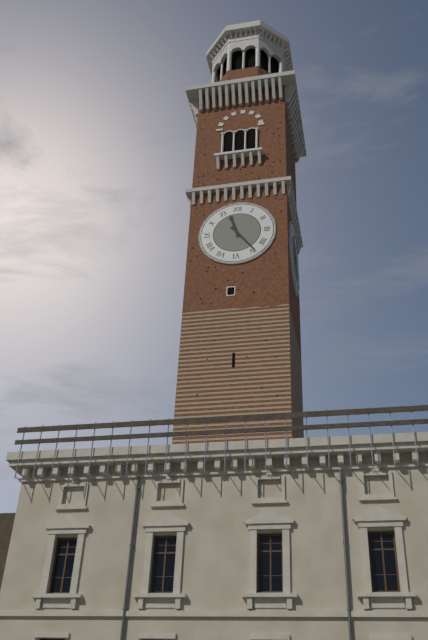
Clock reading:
**11:24**
